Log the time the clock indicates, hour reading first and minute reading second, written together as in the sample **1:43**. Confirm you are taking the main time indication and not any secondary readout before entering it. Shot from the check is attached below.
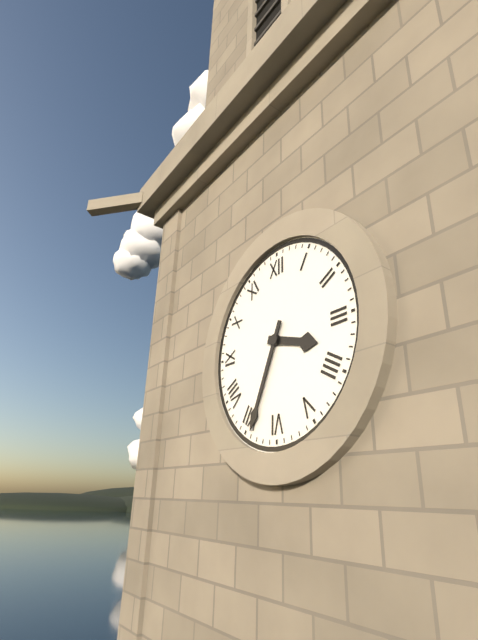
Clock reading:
**3:34**
